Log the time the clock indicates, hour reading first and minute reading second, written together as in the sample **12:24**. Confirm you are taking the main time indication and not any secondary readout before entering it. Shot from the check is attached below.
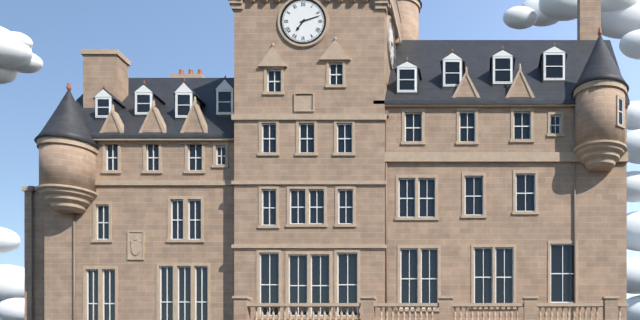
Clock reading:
**7:12**
